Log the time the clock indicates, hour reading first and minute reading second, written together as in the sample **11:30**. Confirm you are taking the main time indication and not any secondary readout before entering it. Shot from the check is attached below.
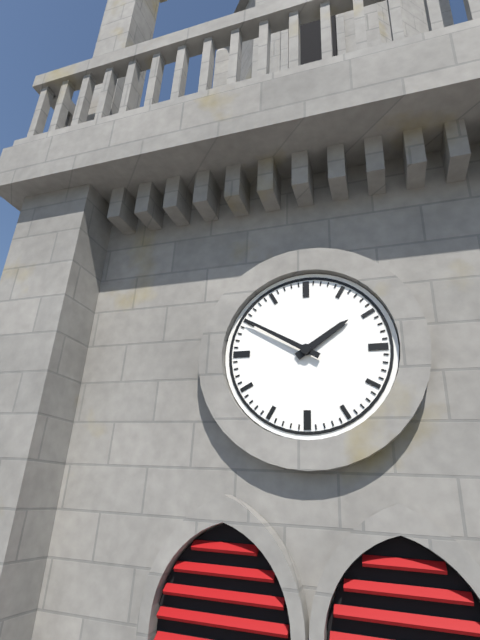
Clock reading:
**1:50**
